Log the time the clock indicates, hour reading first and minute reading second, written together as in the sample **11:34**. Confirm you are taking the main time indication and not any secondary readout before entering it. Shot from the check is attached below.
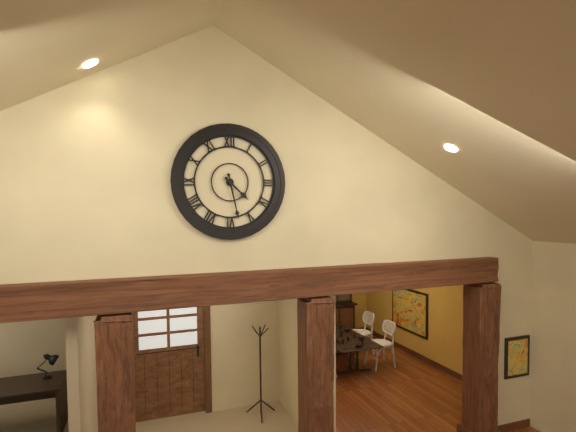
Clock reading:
**4:28**
